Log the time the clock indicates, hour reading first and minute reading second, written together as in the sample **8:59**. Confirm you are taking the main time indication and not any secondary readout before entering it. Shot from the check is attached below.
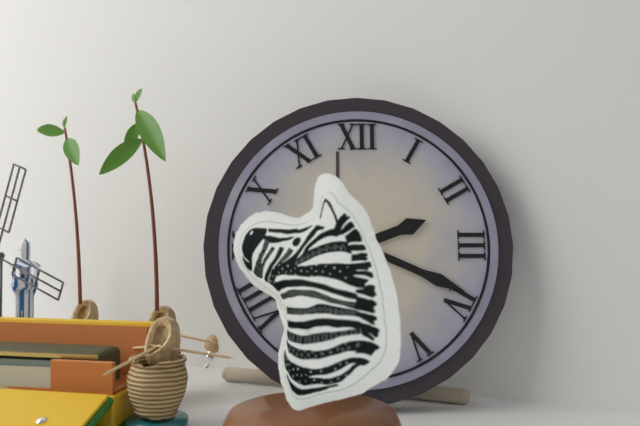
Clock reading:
**2:19**
